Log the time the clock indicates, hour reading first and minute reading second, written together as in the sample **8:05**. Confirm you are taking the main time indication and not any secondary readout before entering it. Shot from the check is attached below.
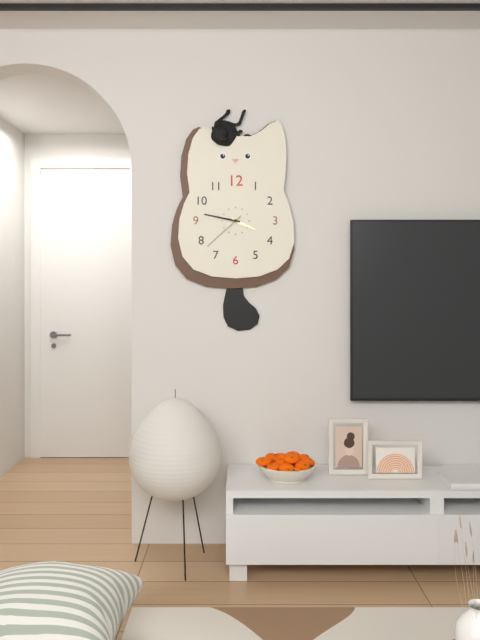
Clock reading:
**3:47**
